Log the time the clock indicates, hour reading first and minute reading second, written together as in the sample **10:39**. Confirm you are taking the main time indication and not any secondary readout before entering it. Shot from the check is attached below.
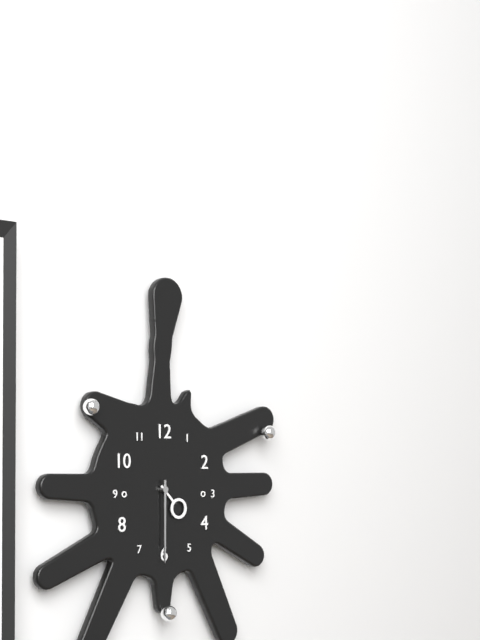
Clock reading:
**4:30**
